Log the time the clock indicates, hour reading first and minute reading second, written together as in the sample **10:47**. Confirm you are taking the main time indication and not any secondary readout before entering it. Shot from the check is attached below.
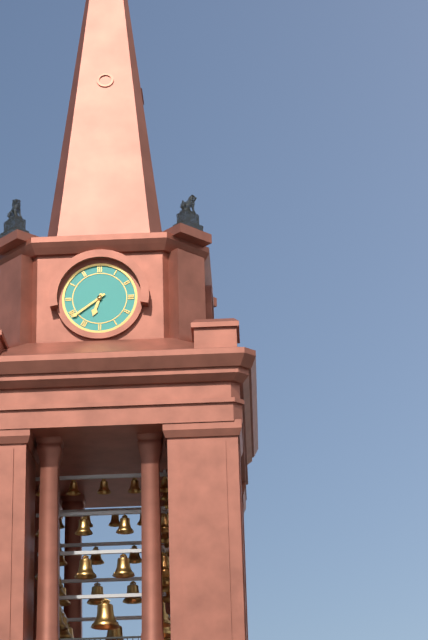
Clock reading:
**6:39**
